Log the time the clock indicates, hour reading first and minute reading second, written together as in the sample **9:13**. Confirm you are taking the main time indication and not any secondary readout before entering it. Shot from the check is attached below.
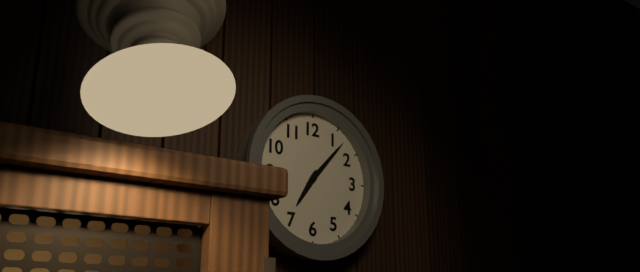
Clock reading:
**7:07**
